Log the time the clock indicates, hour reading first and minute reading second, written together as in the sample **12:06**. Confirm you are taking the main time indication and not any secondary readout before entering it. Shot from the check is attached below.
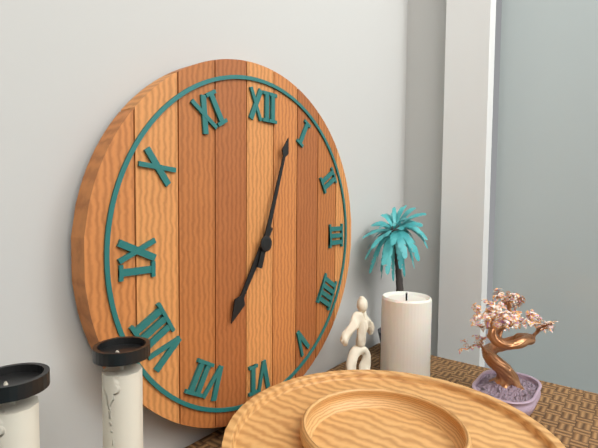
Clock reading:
**7:03**
